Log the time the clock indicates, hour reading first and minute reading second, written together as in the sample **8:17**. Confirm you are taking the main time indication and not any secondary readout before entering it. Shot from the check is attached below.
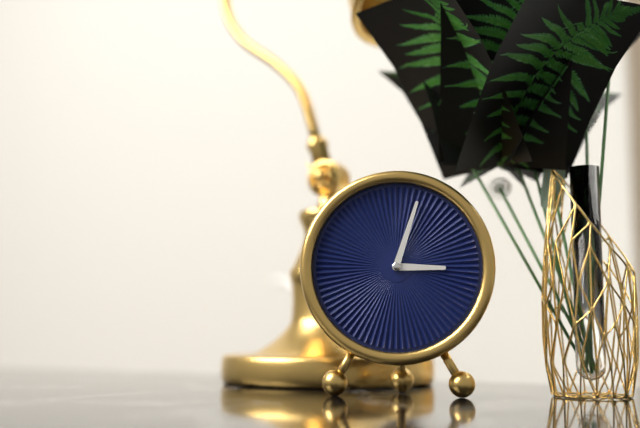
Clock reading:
**3:03**
